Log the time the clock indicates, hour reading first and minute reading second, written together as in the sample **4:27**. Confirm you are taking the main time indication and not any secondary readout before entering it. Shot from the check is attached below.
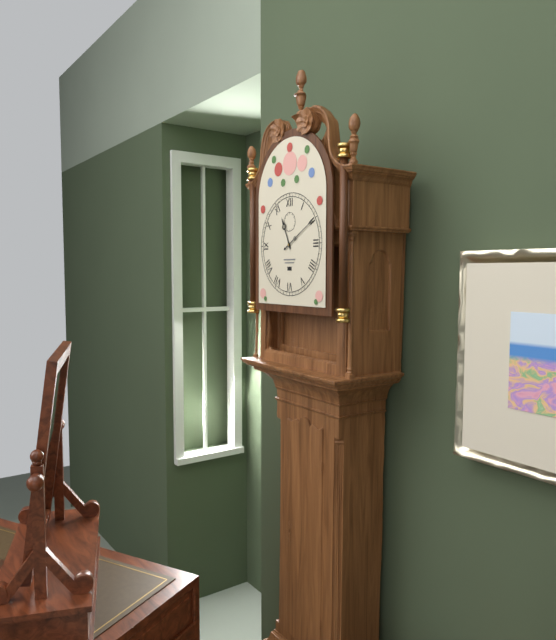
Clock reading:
**11:10**
